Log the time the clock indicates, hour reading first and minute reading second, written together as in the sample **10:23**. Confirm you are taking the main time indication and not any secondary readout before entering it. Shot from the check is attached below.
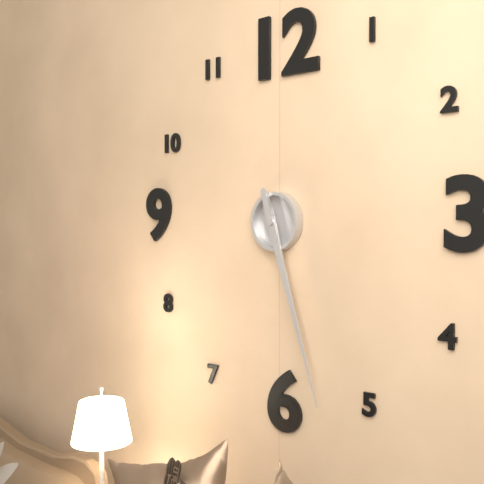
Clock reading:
**5:27**
